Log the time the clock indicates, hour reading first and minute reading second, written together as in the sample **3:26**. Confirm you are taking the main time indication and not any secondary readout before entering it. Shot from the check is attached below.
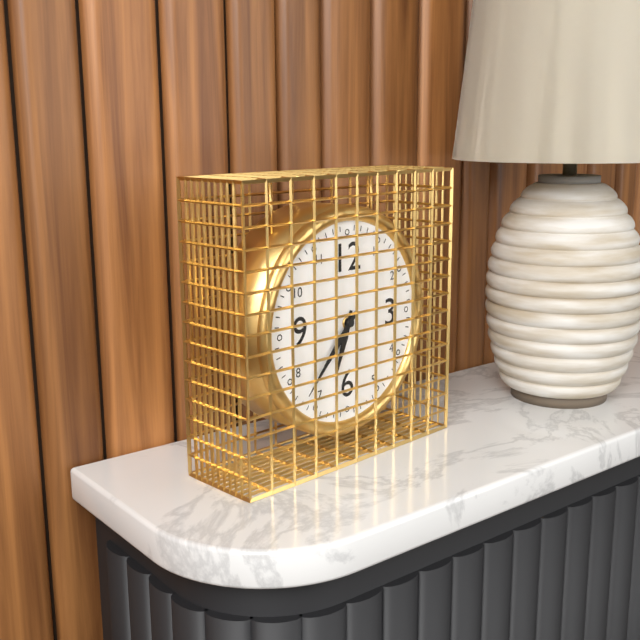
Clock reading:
**6:37**
